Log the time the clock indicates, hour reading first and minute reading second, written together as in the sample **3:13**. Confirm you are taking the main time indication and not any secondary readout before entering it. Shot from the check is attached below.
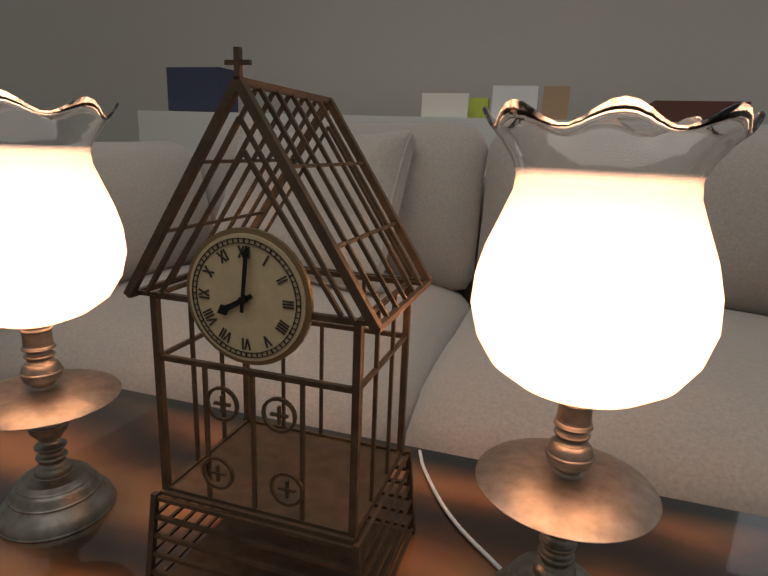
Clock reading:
**8:01**
